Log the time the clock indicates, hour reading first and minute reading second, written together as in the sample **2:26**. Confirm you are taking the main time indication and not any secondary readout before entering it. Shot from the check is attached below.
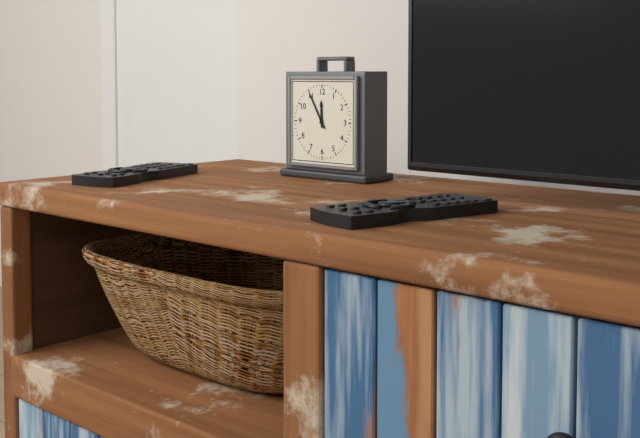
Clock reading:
**11:55**
